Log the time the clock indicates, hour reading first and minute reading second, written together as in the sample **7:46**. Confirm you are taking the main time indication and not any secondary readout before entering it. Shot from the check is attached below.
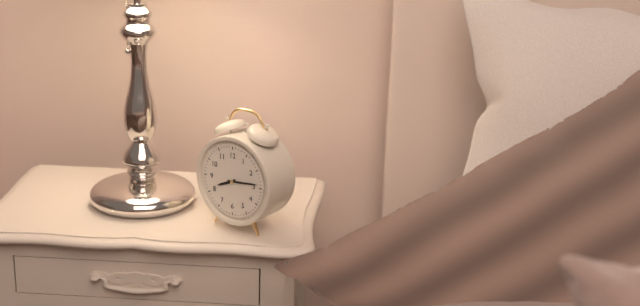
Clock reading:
**8:14**
